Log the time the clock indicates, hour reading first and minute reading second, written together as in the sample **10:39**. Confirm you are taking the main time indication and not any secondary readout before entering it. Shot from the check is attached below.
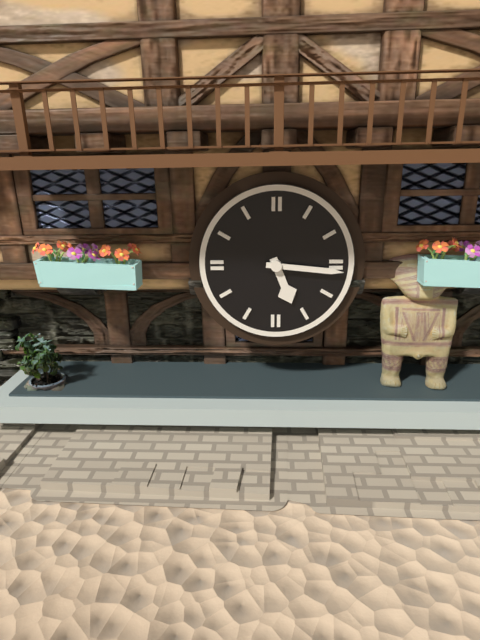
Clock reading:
**5:16**
